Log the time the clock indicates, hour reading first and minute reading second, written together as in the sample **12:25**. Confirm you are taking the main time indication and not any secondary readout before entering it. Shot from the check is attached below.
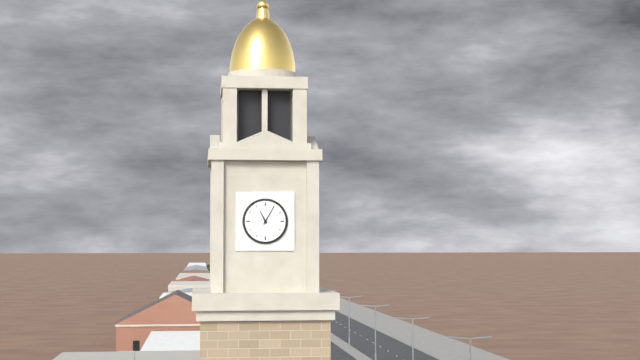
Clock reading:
**11:05**
